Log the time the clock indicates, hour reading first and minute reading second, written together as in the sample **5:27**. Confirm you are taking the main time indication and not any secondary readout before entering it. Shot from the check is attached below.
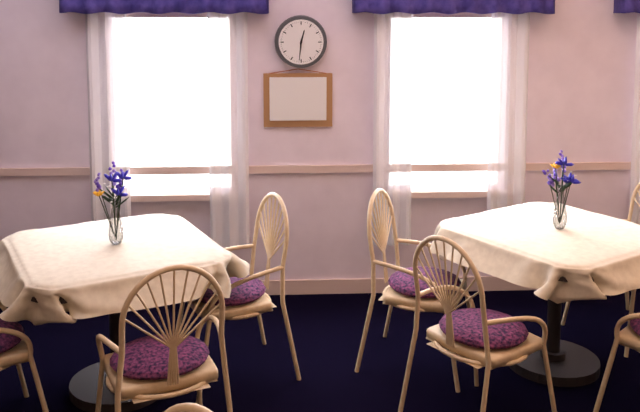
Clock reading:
**12:31**
